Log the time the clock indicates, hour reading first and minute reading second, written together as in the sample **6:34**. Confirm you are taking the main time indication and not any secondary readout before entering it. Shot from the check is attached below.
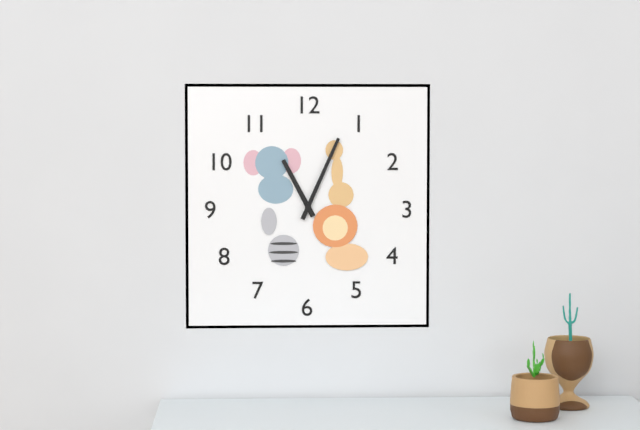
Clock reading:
**11:04**
